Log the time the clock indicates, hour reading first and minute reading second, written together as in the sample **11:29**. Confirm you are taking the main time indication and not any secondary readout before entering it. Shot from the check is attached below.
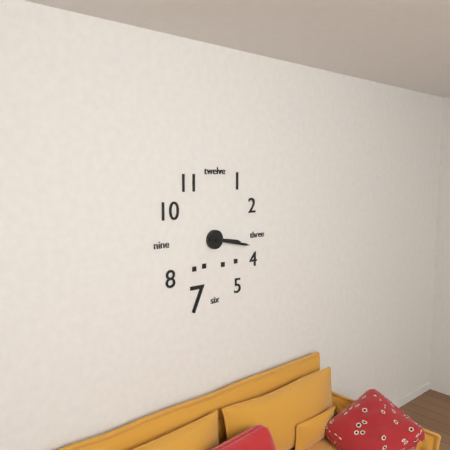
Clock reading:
**3:17**
